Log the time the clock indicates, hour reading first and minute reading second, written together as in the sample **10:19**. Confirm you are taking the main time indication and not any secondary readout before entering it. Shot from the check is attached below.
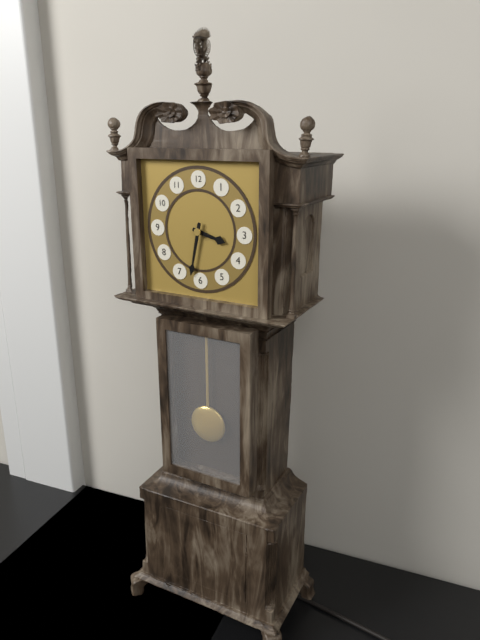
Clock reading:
**3:32**
